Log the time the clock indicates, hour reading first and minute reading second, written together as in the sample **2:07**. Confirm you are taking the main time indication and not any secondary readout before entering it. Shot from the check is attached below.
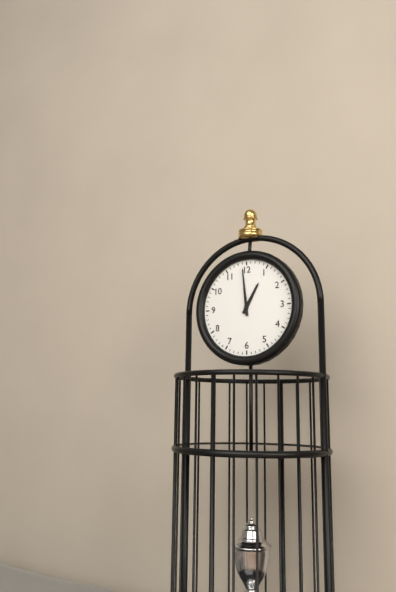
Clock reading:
**12:59**
